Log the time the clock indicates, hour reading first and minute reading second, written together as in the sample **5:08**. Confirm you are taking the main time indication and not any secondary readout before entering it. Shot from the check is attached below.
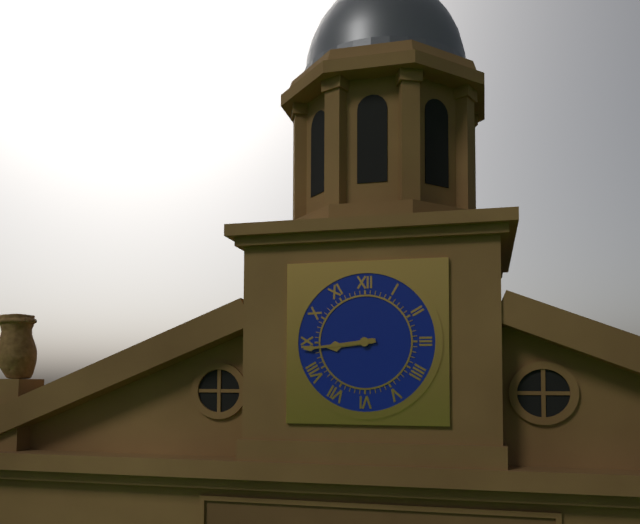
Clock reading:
**8:44**
